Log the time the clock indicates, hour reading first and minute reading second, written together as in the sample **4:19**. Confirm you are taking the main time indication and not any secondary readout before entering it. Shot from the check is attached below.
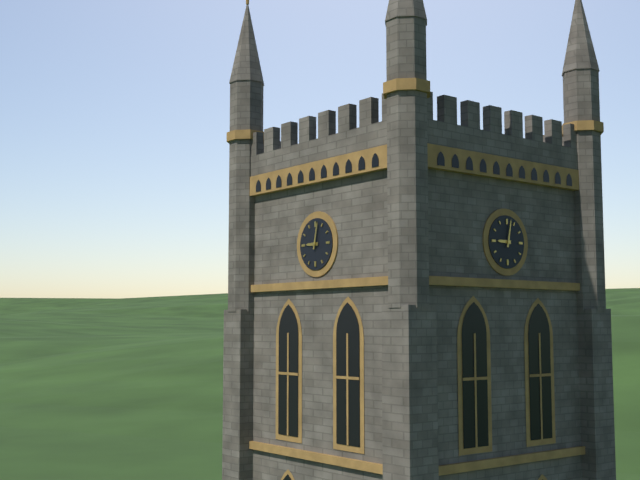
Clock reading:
**9:02**
